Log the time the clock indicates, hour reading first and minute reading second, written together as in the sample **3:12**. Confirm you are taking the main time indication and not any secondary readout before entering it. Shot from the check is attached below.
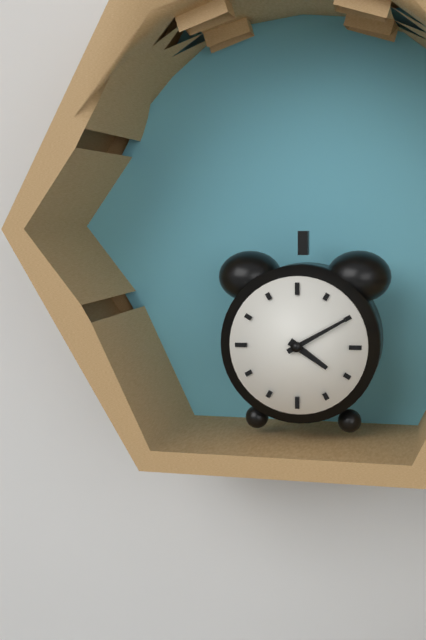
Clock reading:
**4:10**
